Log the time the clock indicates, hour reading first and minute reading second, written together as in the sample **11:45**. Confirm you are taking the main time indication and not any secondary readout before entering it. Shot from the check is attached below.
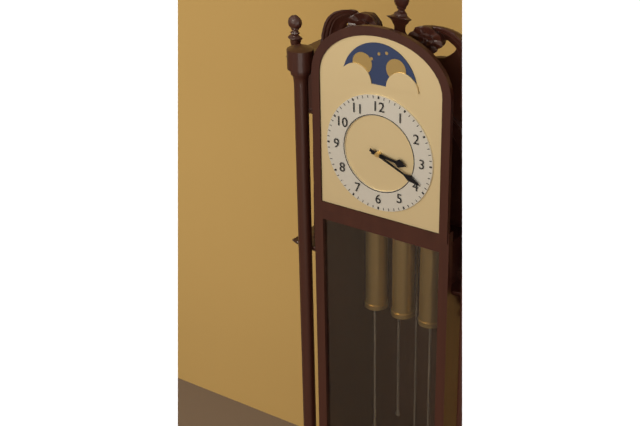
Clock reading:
**3:19**
